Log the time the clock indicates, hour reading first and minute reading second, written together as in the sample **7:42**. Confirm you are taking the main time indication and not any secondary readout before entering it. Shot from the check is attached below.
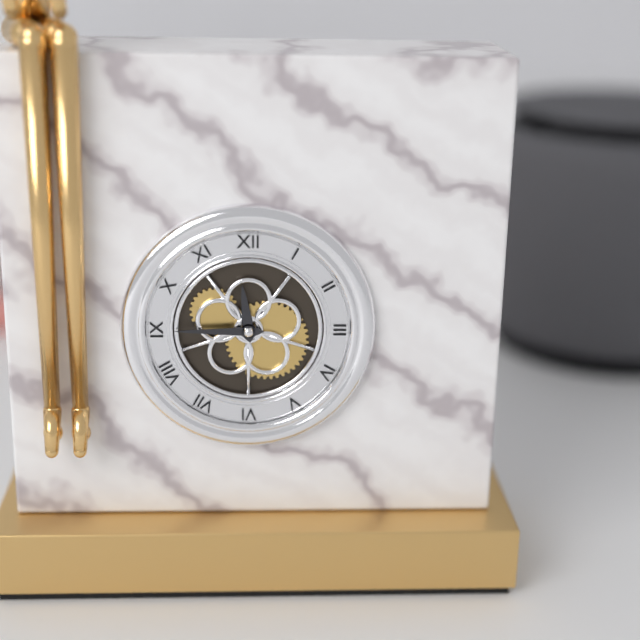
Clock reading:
**11:45**
